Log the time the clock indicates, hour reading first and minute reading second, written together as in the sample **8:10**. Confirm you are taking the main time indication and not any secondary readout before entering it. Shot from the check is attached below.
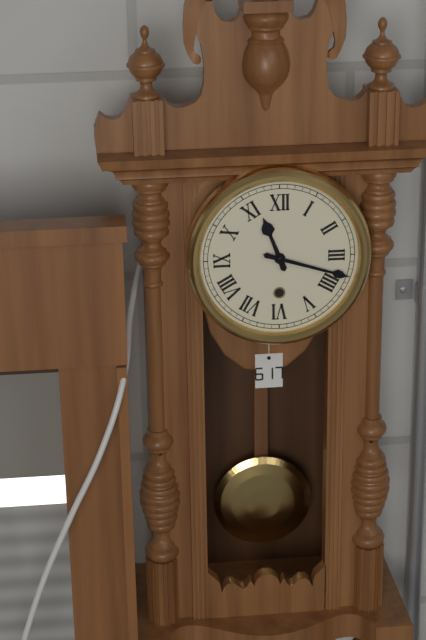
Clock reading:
**11:18**
